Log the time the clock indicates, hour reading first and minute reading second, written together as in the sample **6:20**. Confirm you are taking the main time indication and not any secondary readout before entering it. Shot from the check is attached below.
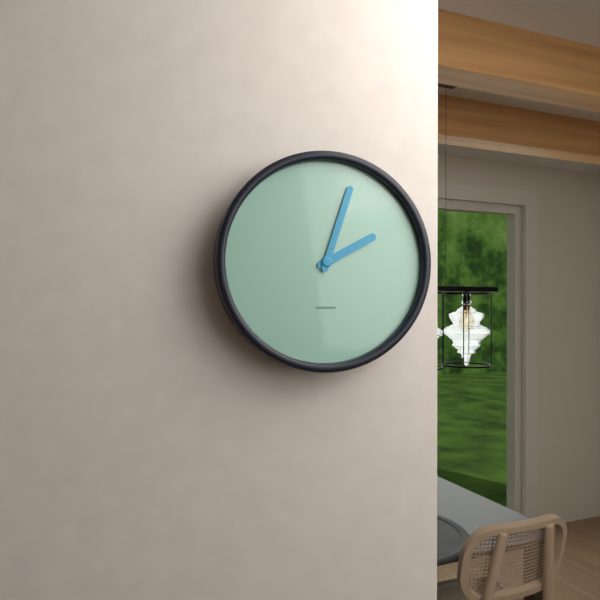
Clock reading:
**2:03**
